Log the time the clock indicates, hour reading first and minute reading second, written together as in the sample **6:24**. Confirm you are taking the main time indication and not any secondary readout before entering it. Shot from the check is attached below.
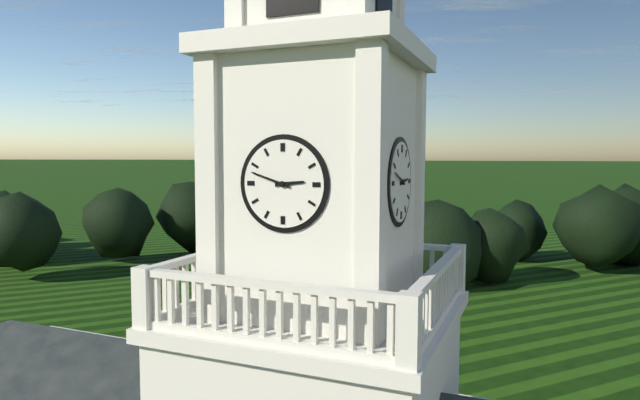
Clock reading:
**2:48**
